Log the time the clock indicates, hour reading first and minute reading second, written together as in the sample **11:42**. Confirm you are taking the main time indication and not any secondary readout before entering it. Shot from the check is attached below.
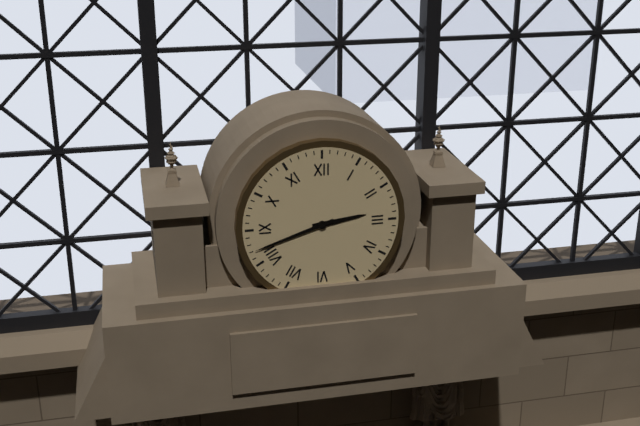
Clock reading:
**2:42**
